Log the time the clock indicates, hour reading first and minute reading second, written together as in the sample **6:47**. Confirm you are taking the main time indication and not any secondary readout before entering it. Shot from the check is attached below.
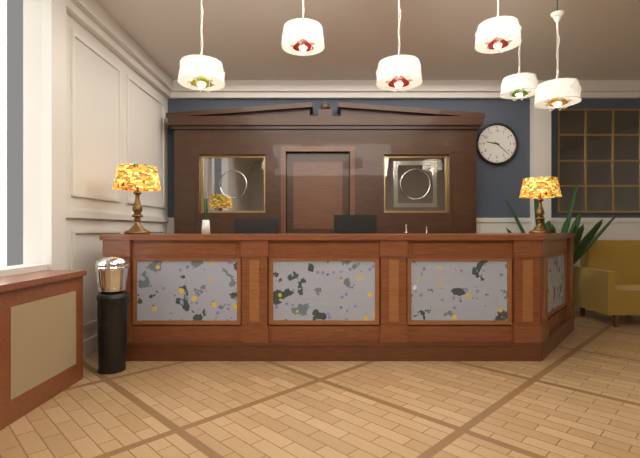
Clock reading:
**9:22**
